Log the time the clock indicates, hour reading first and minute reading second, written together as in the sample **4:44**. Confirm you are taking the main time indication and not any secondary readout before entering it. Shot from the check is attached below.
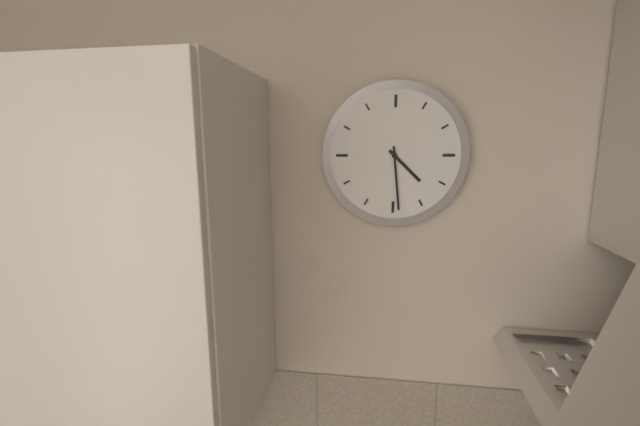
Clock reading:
**4:29**
